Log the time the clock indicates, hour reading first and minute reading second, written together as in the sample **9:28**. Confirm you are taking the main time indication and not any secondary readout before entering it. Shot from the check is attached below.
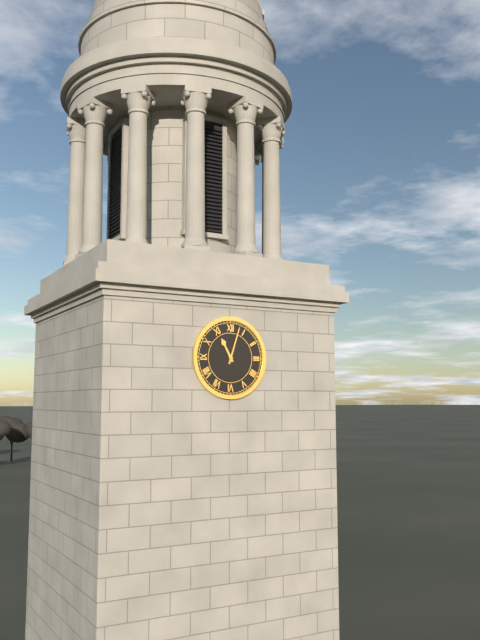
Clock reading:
**11:03**
